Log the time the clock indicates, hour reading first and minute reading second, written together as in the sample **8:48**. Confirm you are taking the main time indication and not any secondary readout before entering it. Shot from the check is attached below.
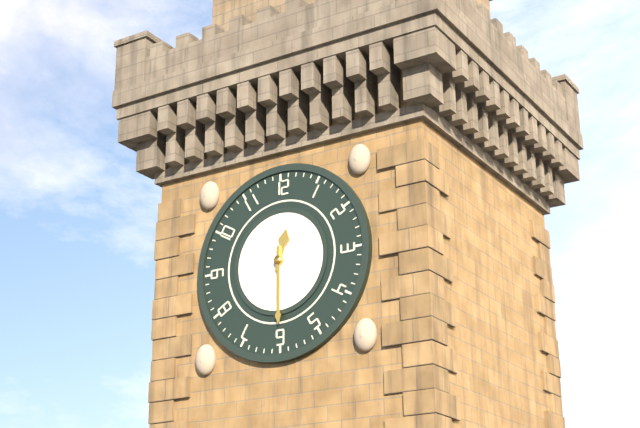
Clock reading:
**12:30**
